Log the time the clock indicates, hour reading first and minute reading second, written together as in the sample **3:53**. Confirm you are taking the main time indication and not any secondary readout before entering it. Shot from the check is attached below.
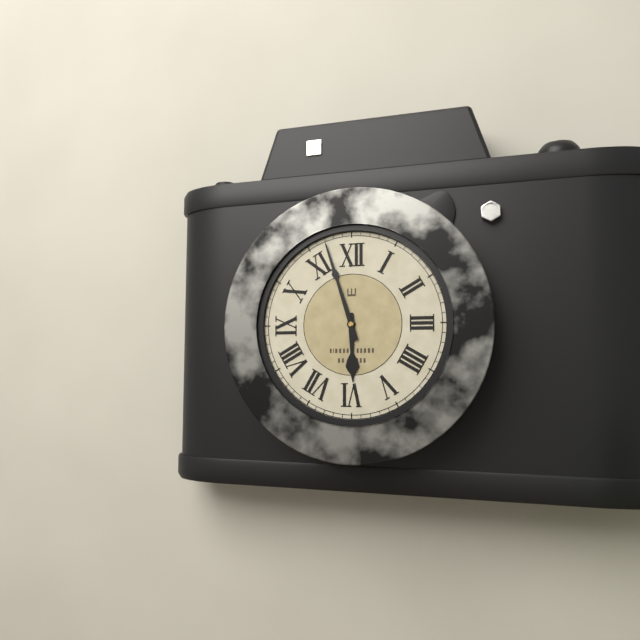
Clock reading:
**5:57**
